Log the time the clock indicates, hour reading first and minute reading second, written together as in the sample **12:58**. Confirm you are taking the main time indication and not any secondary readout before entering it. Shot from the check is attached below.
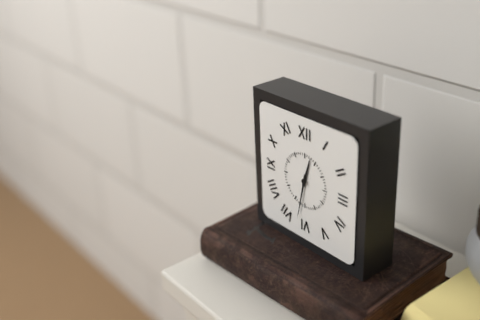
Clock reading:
**12:32**
